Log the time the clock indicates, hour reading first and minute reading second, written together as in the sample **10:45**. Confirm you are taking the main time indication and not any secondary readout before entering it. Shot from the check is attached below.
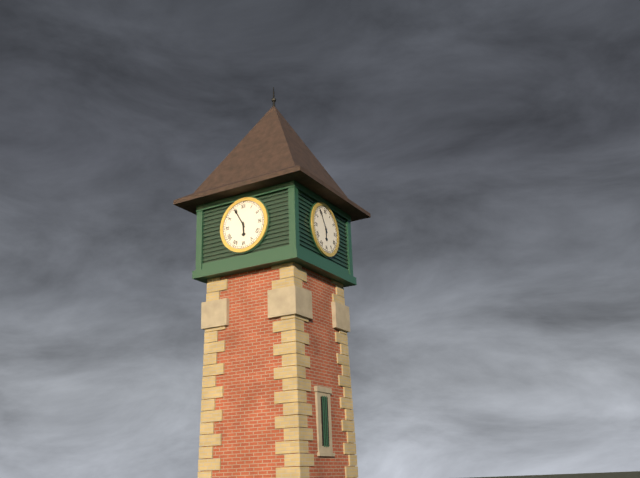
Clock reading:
**5:55**
